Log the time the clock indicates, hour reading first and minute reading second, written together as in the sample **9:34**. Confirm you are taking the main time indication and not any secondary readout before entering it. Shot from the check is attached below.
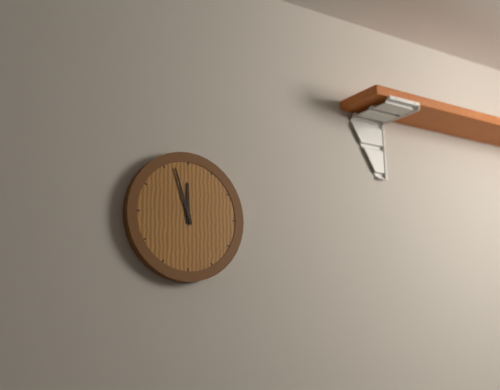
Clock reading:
**11:57**
